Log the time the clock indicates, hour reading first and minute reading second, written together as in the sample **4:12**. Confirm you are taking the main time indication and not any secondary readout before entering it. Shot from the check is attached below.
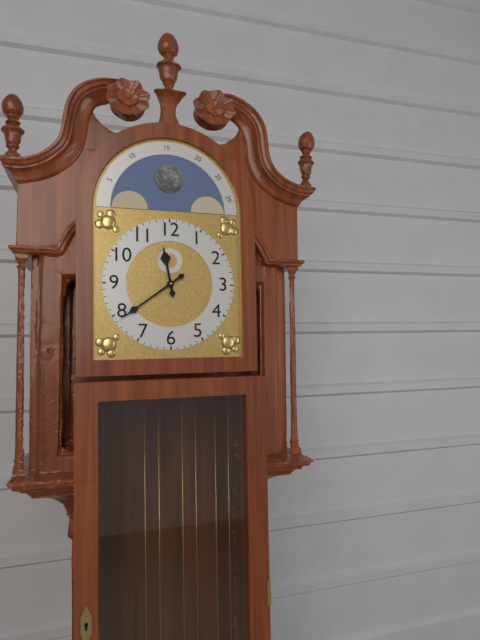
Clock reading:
**11:39**
